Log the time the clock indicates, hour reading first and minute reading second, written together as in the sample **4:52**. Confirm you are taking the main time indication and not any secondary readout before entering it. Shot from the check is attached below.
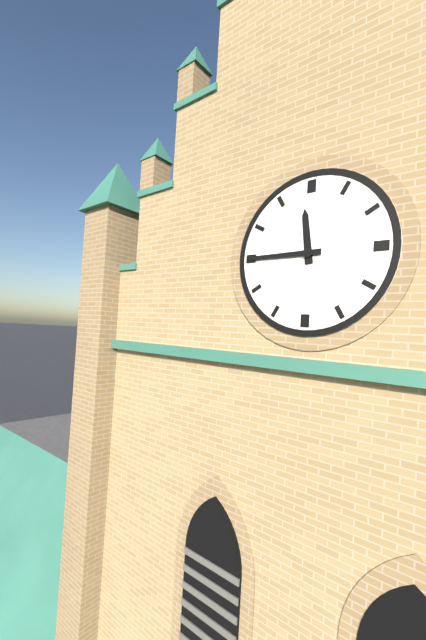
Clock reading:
**11:45**
